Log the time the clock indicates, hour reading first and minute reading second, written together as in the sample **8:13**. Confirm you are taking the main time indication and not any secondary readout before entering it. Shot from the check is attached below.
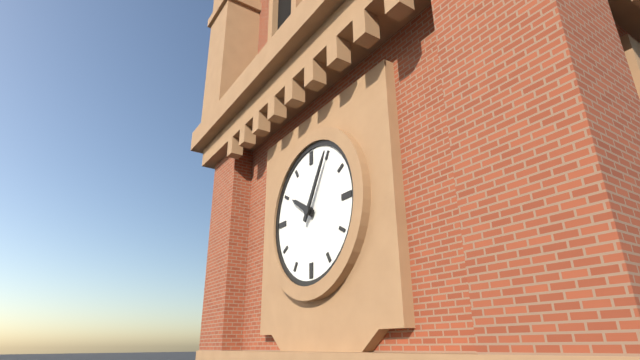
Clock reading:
**10:05**
